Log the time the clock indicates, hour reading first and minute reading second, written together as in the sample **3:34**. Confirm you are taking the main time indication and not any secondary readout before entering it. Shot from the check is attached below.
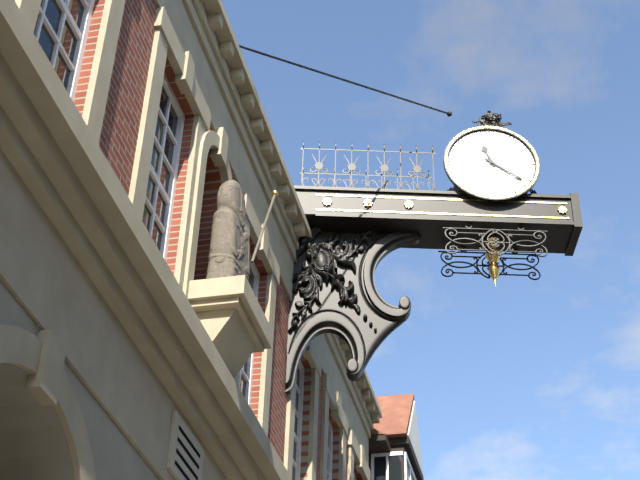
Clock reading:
**11:21**
